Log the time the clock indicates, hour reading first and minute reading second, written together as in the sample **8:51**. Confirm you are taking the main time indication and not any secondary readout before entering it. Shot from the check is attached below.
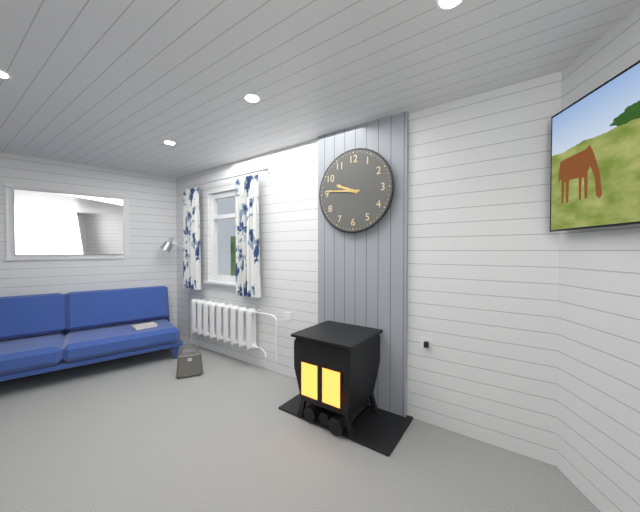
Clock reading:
**9:46**
